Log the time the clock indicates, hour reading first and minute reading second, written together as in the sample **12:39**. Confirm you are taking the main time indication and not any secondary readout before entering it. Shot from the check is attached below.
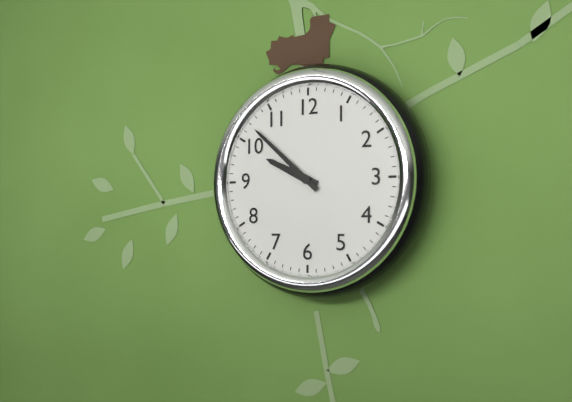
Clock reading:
**9:52**
